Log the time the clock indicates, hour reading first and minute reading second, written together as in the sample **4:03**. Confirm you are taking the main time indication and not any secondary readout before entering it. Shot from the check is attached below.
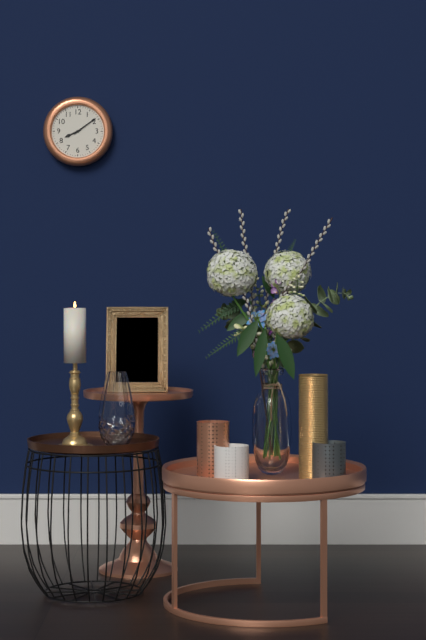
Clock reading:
**8:09**
